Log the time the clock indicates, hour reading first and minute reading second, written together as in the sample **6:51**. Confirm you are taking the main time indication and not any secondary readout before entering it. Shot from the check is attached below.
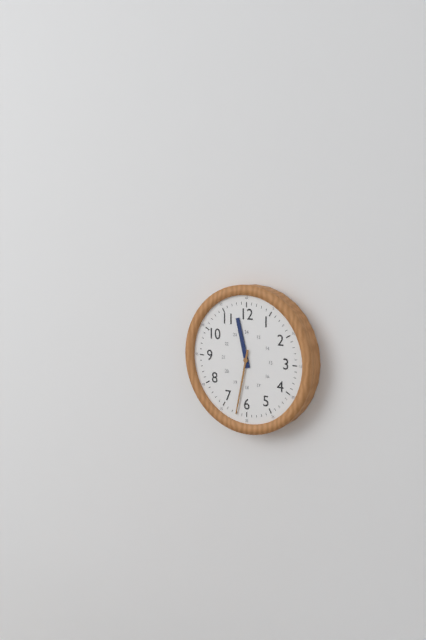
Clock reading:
**11:32**
